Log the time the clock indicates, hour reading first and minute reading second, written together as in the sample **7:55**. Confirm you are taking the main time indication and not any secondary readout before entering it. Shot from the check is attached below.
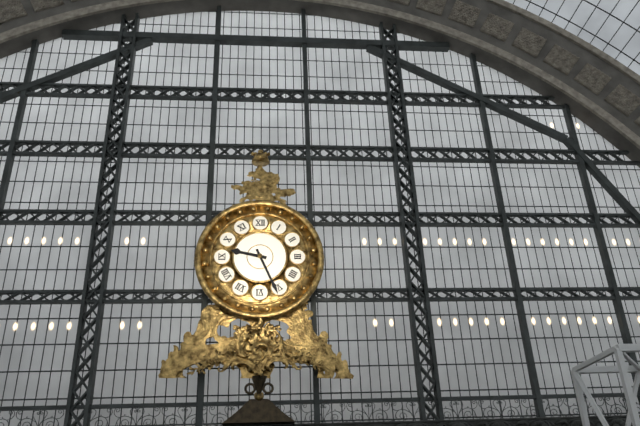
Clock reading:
**9:26**
